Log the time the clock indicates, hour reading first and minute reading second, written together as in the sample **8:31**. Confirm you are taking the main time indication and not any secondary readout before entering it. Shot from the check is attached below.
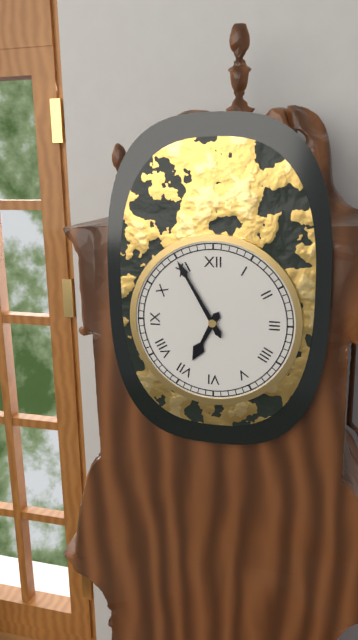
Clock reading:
**6:55**
